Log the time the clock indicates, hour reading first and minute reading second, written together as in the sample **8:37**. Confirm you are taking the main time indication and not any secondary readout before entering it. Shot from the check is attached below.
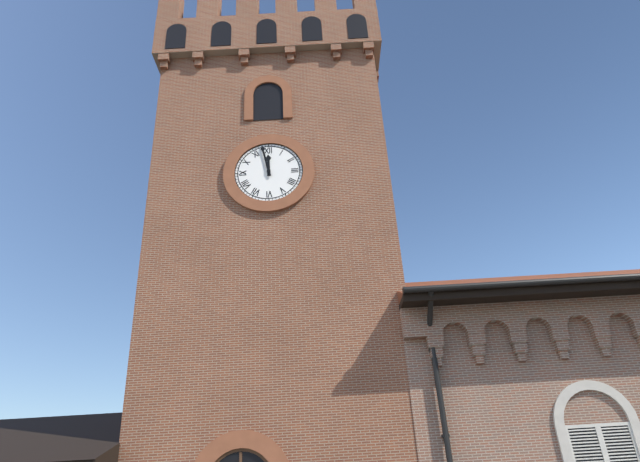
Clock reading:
**11:58**
